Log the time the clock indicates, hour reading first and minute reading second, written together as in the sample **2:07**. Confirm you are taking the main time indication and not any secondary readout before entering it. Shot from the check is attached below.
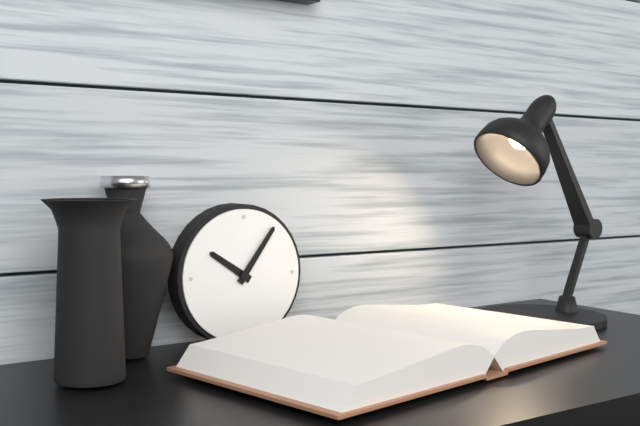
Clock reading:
**10:06**
